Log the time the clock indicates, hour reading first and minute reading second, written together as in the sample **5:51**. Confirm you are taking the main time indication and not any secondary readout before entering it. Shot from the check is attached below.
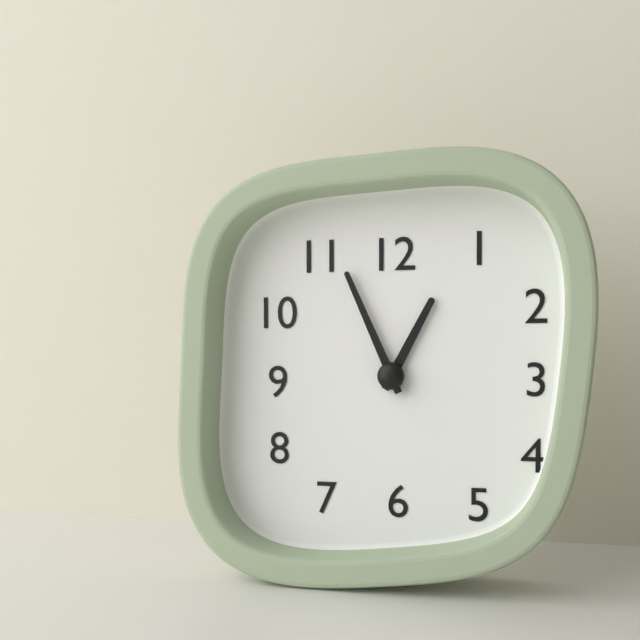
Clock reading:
**12:56**
